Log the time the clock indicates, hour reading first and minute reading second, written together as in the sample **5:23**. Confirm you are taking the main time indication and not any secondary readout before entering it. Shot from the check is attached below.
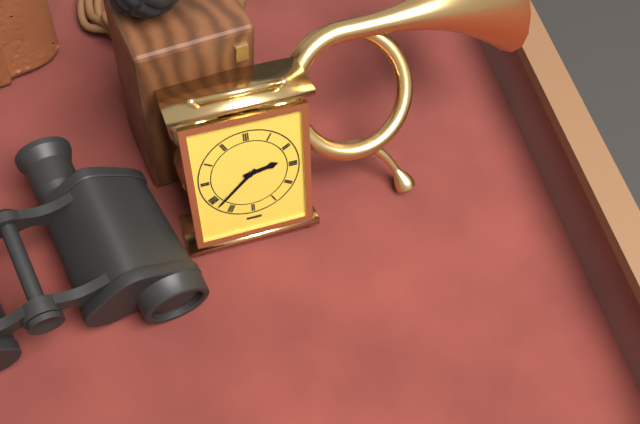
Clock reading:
**2:38**
